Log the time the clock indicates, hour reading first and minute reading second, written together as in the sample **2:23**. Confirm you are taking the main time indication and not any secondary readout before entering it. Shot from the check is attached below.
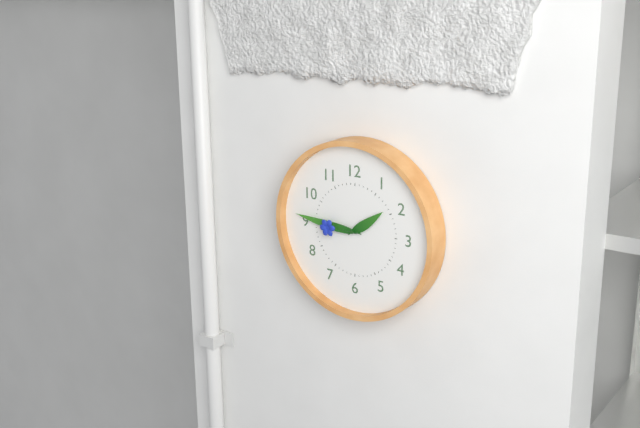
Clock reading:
**1:46**
